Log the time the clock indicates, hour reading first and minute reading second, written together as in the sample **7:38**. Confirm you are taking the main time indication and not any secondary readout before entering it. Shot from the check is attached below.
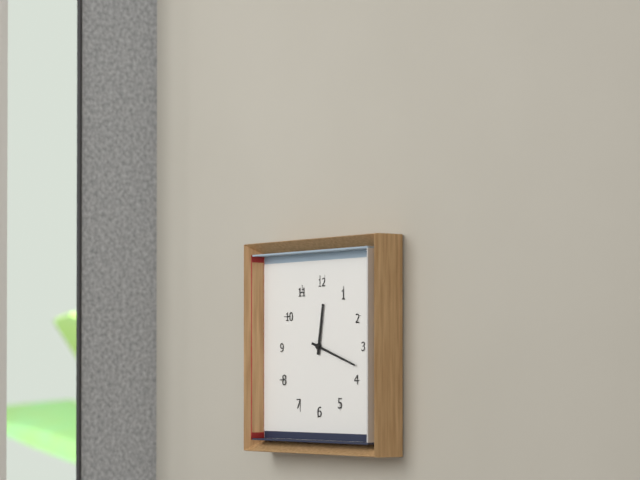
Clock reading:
**12:18**
